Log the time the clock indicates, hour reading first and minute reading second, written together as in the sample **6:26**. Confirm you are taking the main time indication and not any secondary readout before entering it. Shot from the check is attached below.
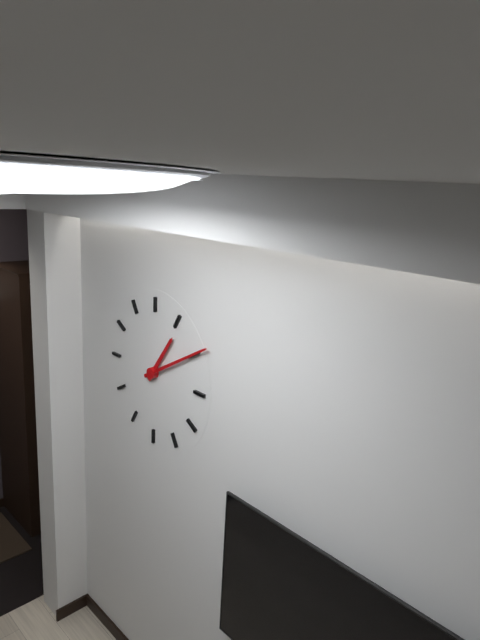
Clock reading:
**1:10**
